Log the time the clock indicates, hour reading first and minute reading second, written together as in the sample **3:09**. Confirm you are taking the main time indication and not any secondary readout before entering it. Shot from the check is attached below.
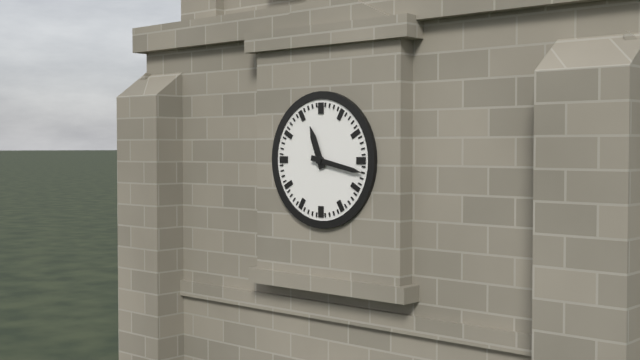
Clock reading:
**11:17**
